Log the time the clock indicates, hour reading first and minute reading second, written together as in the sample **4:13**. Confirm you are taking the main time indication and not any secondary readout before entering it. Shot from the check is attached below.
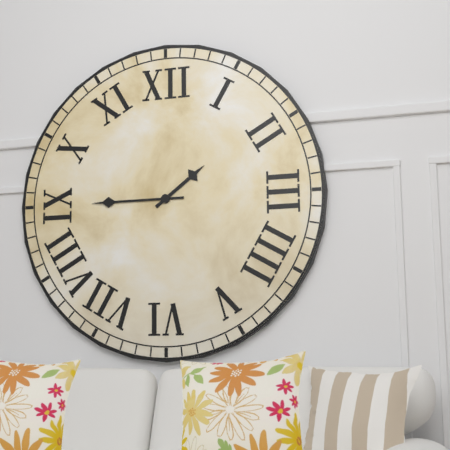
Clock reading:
**1:45**
